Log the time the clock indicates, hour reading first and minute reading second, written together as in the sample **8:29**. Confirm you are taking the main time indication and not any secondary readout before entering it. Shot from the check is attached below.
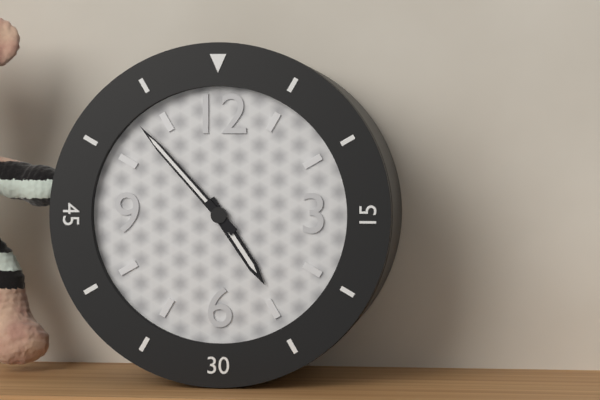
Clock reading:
**4:53**
